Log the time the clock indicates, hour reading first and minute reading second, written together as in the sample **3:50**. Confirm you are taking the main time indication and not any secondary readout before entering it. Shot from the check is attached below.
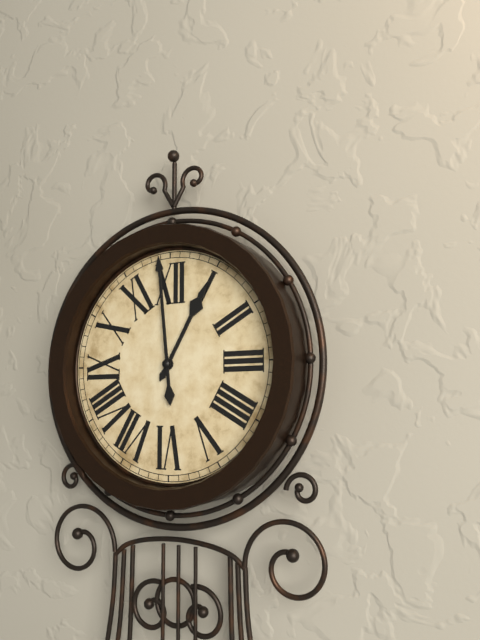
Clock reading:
**12:59**
